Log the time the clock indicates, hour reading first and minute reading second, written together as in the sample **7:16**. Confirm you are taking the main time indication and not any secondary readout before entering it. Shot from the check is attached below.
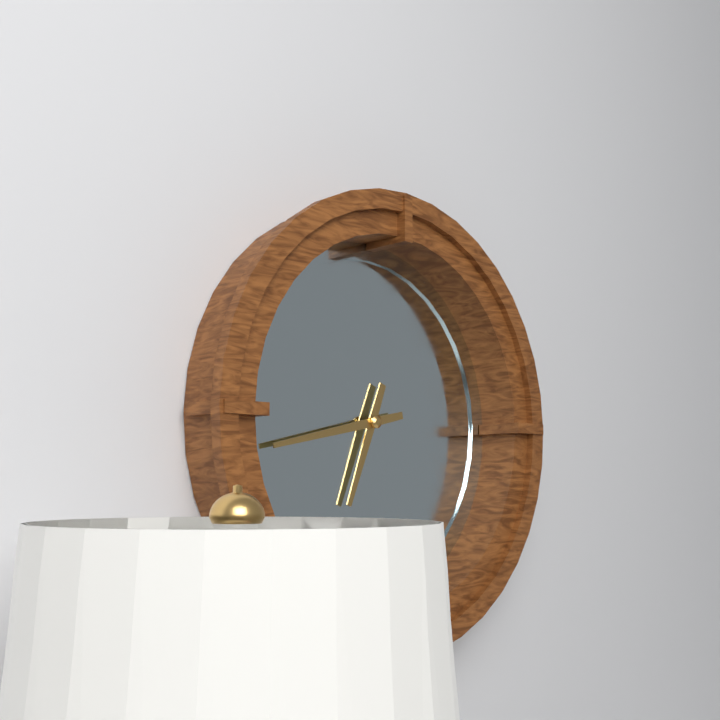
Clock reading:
**6:43**
